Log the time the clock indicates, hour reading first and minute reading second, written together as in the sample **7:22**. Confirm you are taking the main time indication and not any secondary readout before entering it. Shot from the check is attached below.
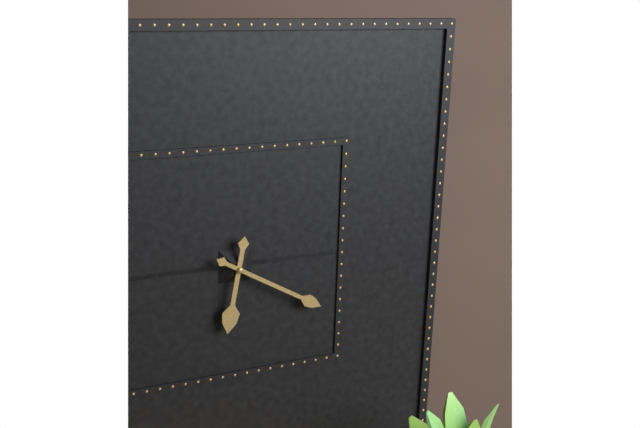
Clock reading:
**6:20**
